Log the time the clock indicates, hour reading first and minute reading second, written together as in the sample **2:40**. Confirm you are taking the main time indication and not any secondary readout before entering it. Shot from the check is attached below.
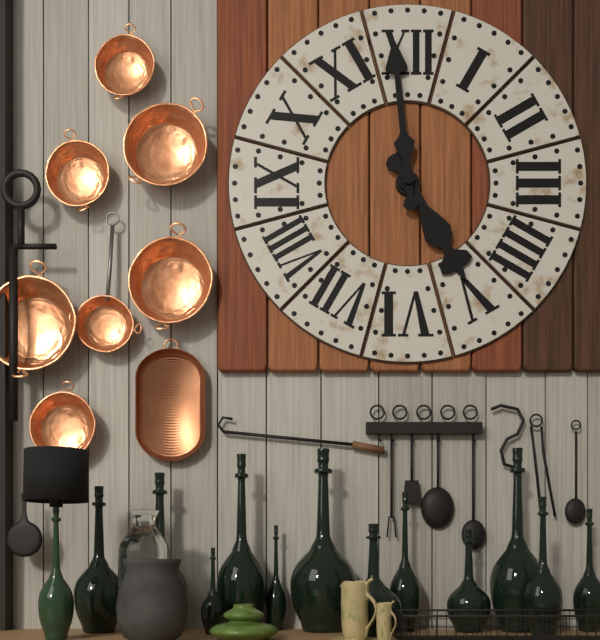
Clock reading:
**4:59**
